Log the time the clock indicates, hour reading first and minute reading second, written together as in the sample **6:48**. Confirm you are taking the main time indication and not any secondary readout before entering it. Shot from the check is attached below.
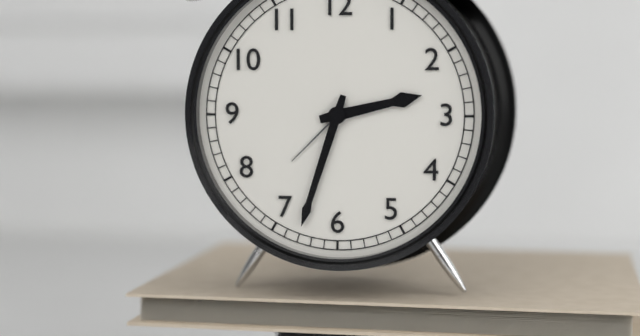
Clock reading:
**2:33**
